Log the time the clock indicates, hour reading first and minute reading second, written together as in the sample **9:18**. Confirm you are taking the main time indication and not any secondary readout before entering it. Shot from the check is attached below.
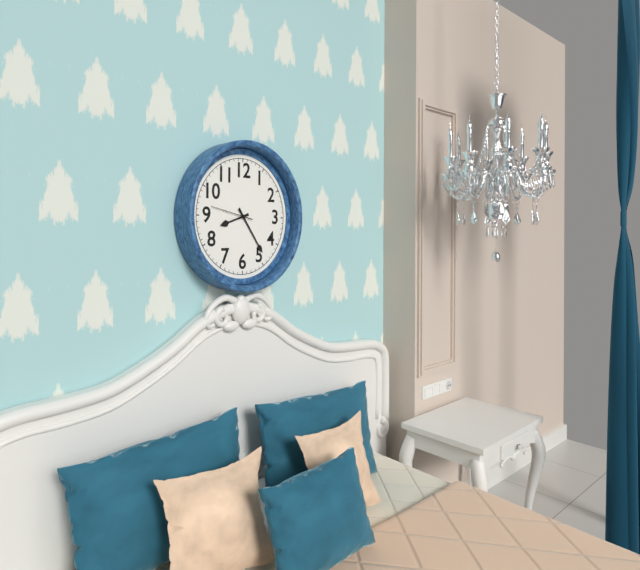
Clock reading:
**8:24**
